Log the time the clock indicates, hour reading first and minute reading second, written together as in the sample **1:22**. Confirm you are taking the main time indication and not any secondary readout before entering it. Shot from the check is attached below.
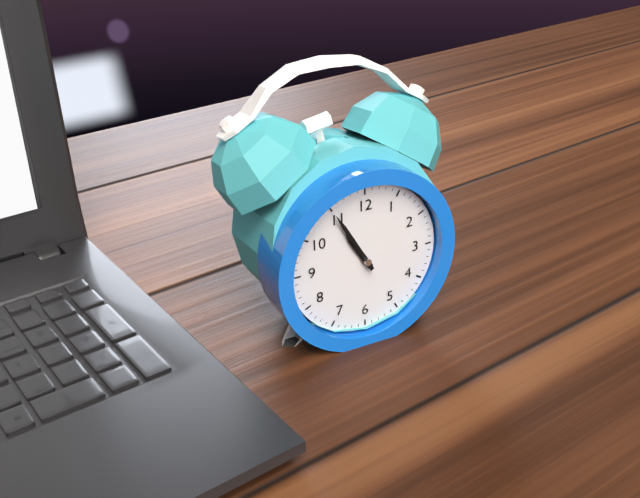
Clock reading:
**10:55**
